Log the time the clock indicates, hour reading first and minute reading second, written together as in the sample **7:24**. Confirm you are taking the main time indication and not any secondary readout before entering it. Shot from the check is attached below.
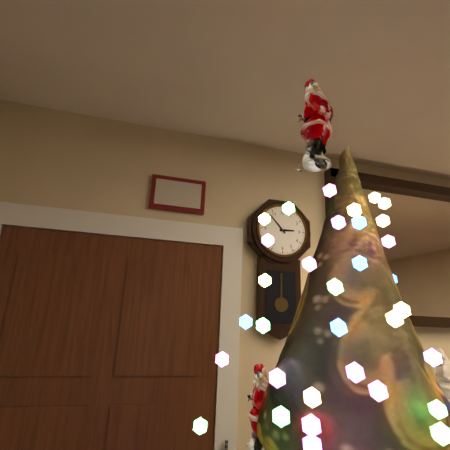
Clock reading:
**2:53**
